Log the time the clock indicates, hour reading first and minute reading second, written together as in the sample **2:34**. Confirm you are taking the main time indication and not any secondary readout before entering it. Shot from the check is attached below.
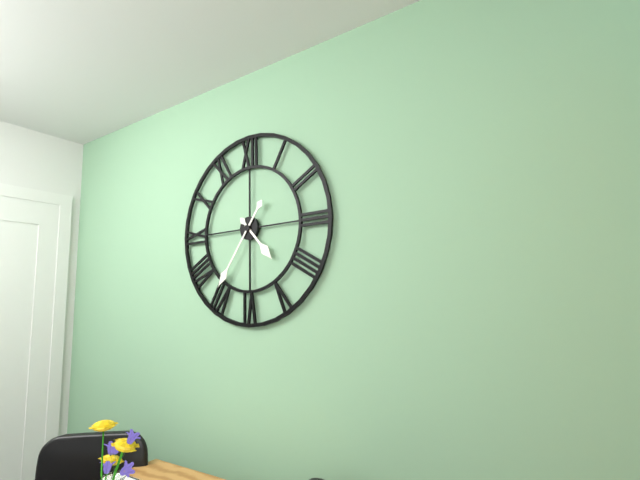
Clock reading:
**4:36**
